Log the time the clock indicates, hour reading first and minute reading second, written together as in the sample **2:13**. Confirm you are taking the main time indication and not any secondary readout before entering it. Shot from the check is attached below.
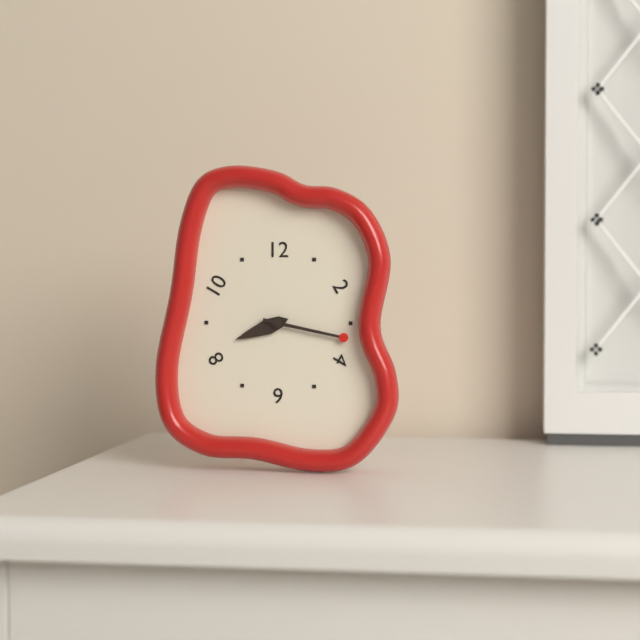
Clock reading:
**8:17**
